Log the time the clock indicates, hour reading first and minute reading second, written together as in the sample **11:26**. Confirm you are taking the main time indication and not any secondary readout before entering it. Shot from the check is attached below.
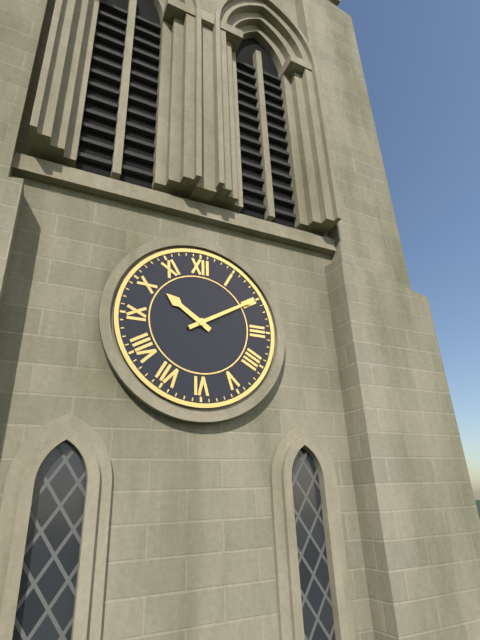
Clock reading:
**10:10**
